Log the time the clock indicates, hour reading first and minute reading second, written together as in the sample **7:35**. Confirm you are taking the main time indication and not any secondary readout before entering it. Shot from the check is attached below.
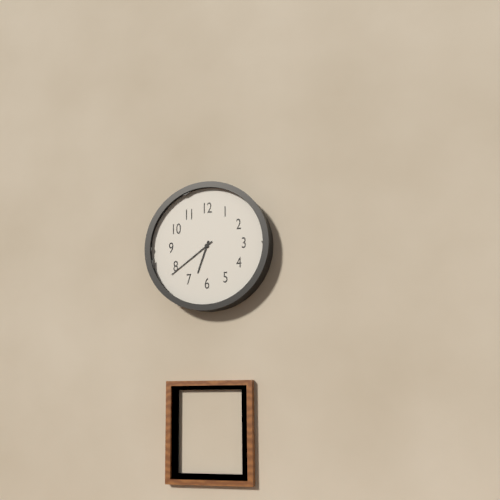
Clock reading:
**6:39**
